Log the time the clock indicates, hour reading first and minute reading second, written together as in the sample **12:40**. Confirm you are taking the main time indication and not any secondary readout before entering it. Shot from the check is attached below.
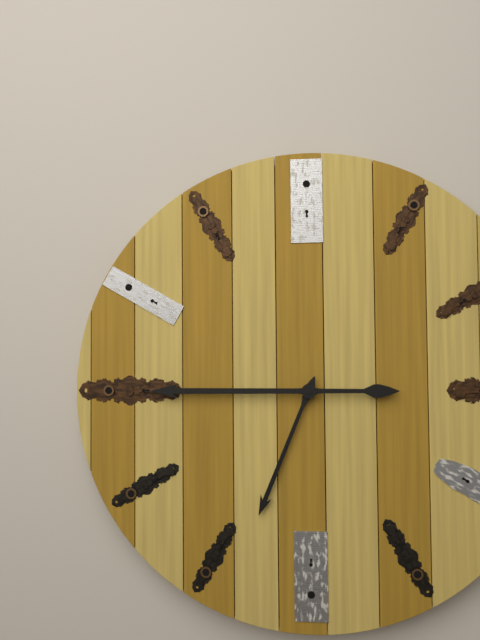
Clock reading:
**6:45**
